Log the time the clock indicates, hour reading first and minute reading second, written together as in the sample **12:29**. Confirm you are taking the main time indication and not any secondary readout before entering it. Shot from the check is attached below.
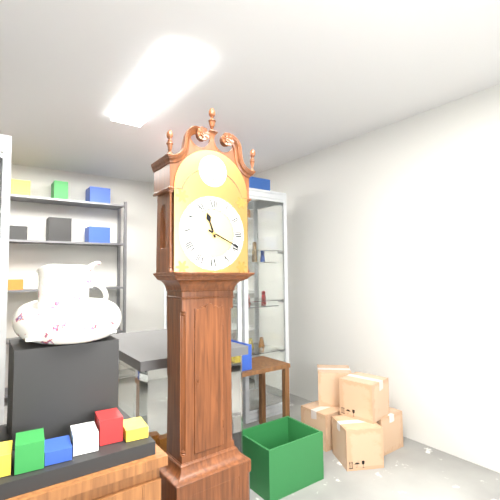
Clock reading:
**11:19**
